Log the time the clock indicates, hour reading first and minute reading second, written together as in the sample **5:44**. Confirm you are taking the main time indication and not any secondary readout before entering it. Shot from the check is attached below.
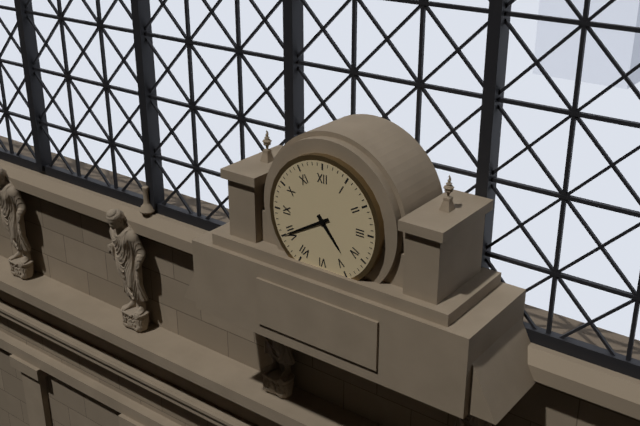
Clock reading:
**4:40**
